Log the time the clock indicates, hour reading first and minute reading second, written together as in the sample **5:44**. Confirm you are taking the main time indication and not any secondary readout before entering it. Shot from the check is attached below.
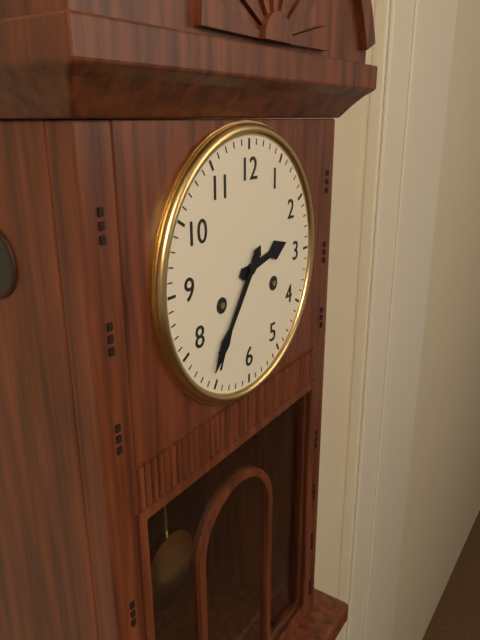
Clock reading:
**2:36**
